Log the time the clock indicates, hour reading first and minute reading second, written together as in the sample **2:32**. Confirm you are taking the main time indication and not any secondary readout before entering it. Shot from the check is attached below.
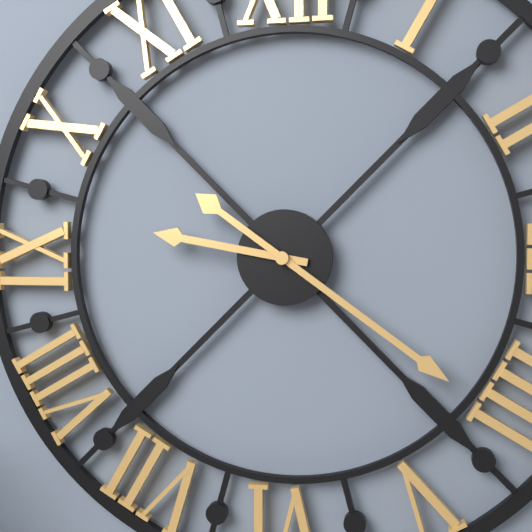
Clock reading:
**9:21**
